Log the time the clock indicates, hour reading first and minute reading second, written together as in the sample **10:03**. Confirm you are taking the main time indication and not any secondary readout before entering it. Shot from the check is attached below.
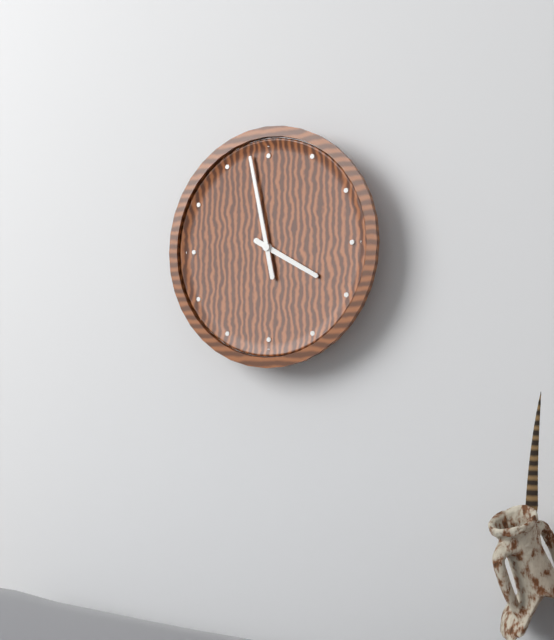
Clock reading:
**3:58**
